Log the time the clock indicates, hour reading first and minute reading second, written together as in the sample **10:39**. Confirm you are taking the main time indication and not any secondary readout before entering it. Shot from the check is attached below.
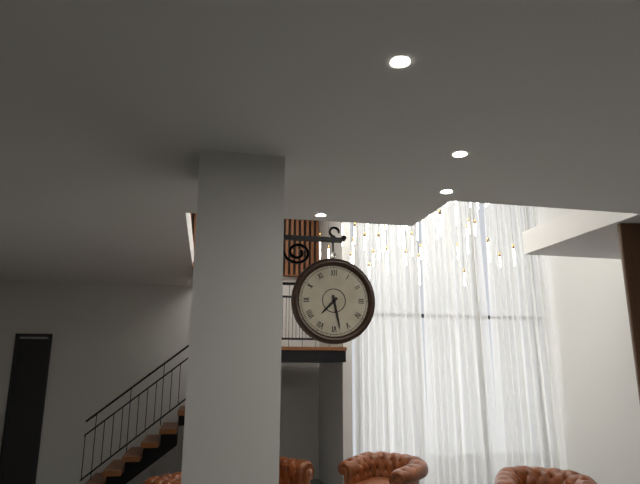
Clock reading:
**7:28**
